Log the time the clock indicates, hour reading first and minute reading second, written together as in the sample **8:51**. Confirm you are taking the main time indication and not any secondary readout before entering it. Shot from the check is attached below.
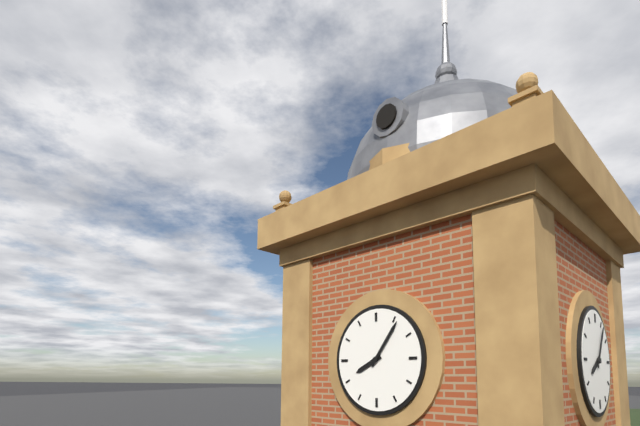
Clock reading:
**8:06**
